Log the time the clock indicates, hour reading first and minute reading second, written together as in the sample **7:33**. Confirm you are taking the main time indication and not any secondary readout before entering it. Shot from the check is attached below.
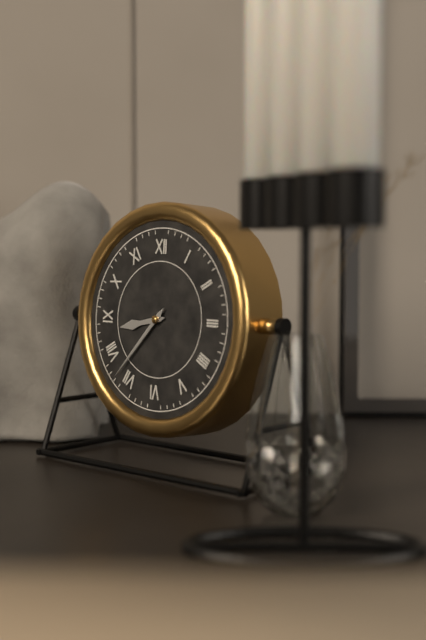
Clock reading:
**8:37**
